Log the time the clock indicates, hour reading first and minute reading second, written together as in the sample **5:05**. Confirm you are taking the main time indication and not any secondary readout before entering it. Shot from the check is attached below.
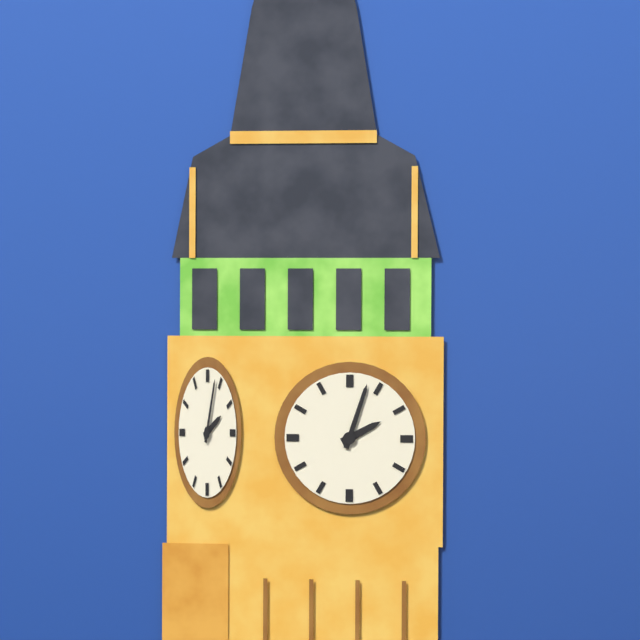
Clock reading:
**2:03**
